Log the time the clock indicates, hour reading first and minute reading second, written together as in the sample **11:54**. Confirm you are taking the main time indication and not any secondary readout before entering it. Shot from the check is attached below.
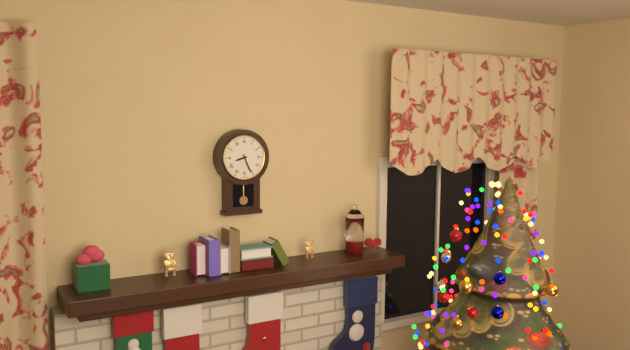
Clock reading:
**8:26**
